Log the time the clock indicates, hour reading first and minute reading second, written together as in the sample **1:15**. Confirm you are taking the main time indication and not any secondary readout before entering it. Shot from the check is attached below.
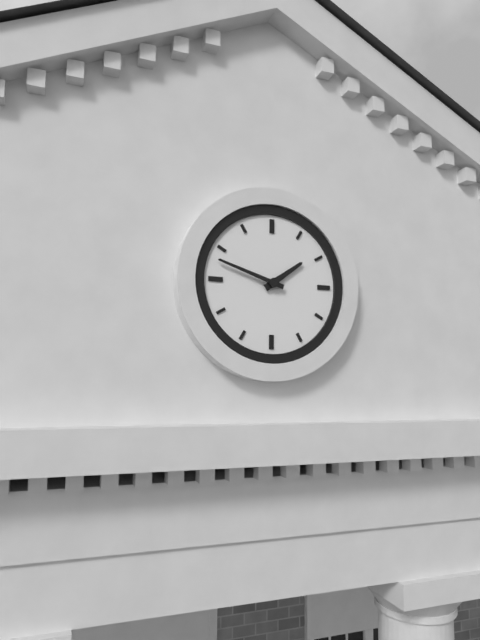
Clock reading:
**1:48**
